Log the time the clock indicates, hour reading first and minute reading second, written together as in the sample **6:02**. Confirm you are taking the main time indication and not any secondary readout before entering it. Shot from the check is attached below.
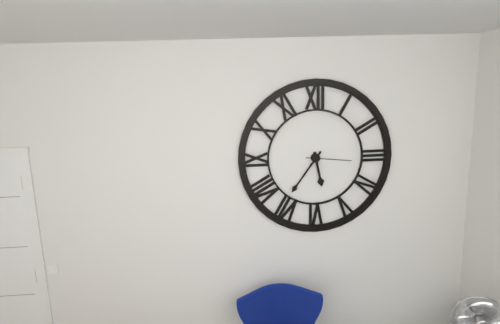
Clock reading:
**5:36**
